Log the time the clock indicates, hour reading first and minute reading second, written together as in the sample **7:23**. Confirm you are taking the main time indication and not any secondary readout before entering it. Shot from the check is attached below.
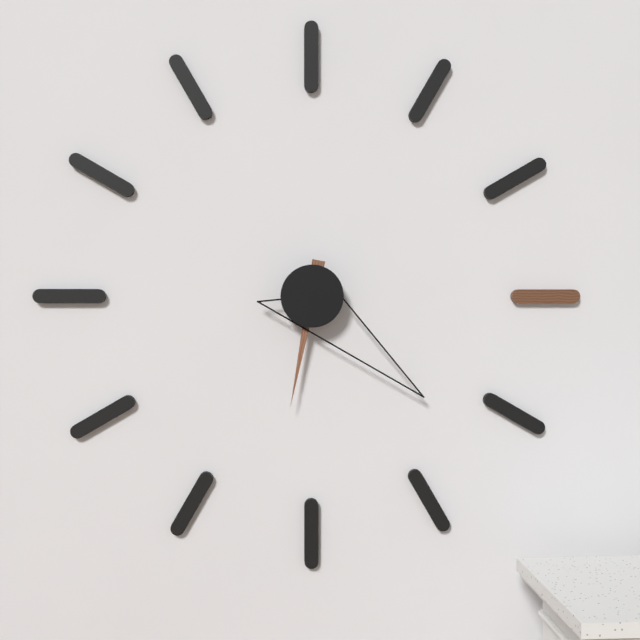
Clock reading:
**6:22**
